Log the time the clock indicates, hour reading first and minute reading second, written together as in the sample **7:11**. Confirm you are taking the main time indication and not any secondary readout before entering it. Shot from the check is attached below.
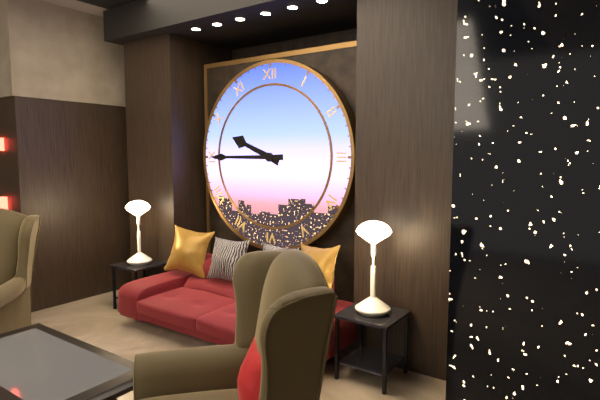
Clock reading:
**9:45**
